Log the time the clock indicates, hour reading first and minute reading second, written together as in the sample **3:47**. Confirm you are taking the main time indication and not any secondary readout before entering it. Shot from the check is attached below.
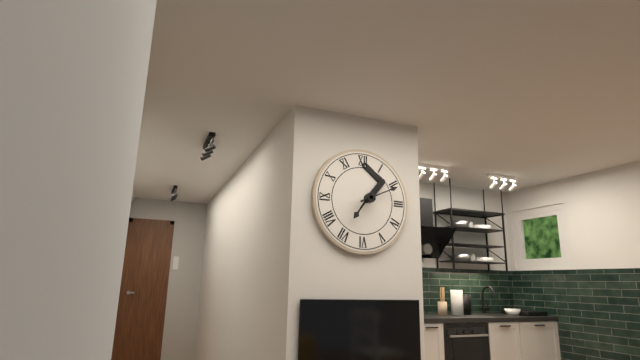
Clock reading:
**7:11**
